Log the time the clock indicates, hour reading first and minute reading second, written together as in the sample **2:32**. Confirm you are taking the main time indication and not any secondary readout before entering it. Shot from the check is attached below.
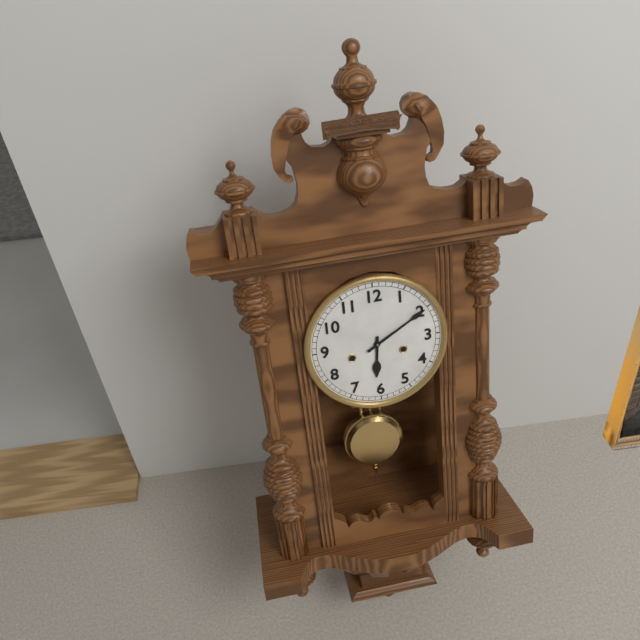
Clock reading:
**6:10**
